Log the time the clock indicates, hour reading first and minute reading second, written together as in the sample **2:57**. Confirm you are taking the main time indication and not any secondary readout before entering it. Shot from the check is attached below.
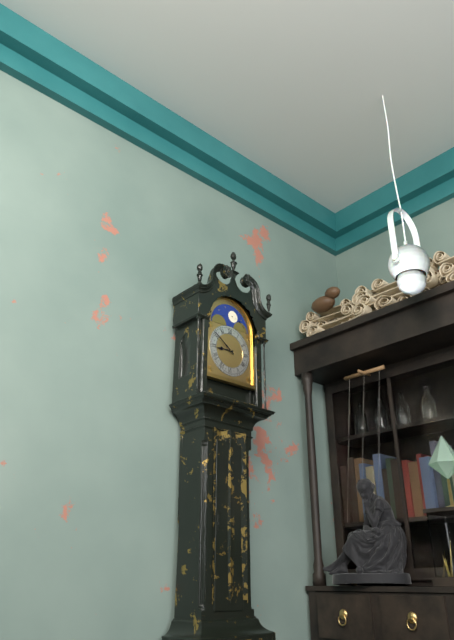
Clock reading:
**8:51**
